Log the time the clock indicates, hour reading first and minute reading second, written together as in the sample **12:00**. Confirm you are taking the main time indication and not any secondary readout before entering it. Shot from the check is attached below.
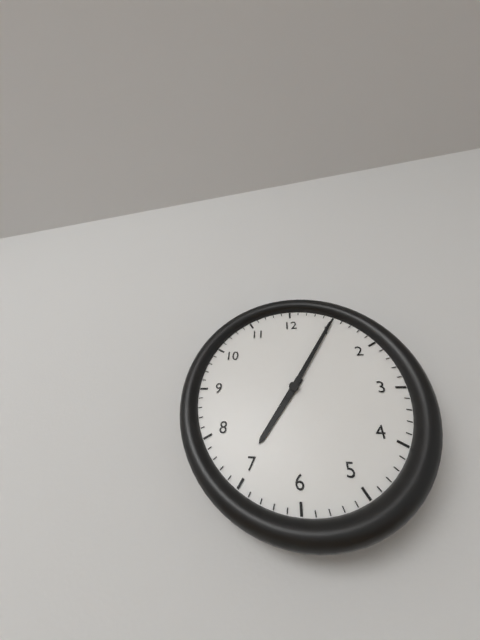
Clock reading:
**7:05**
